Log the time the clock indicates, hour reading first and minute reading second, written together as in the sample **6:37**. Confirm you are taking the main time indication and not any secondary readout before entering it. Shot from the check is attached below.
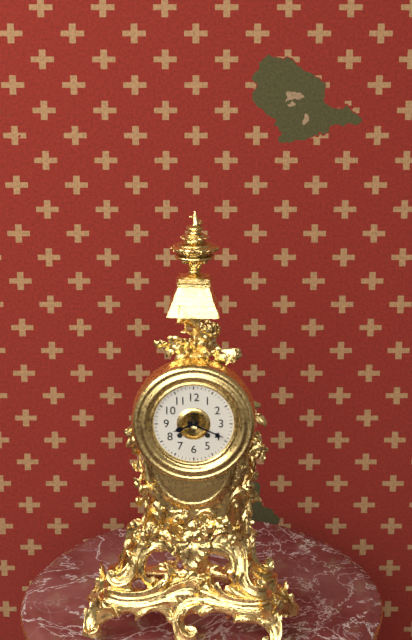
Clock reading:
**8:19**
